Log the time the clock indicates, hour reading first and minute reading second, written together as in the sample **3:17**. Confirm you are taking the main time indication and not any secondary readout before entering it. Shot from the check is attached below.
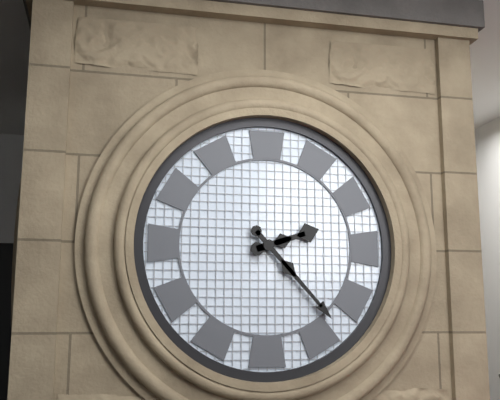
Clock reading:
**2:23**
